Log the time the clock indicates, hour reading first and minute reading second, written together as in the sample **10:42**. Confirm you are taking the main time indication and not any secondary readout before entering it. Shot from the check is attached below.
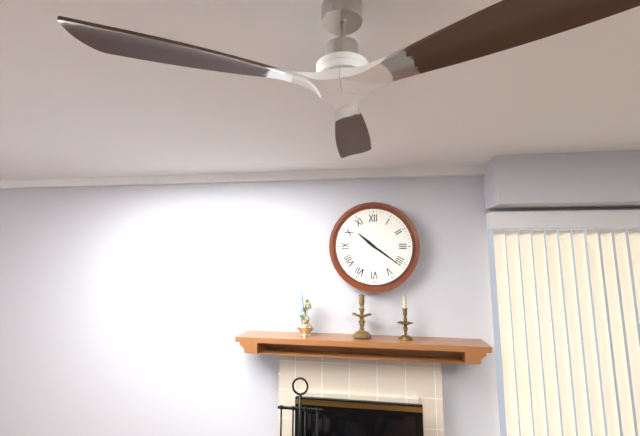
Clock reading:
**10:21**
